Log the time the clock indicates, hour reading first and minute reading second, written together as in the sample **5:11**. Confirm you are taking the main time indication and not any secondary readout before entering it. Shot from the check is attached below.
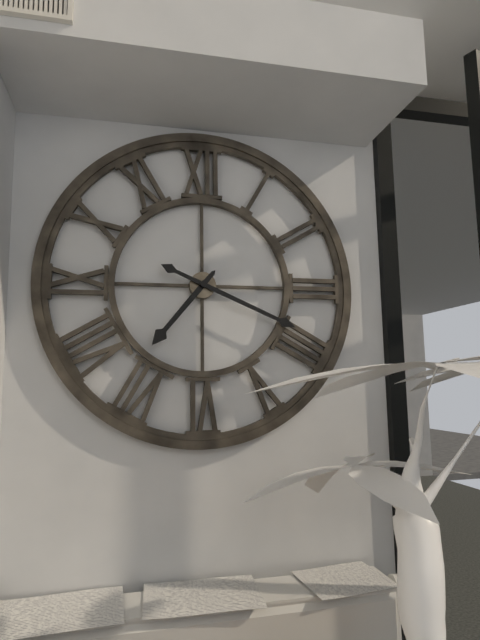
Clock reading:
**7:19**
